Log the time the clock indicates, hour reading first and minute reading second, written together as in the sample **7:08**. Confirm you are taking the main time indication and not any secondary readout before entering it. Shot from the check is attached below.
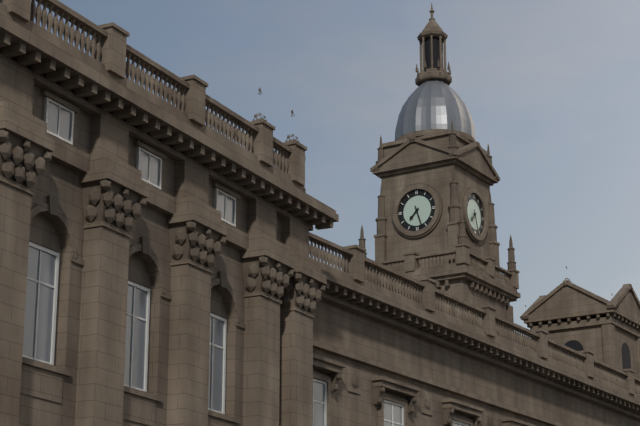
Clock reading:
**7:27**
